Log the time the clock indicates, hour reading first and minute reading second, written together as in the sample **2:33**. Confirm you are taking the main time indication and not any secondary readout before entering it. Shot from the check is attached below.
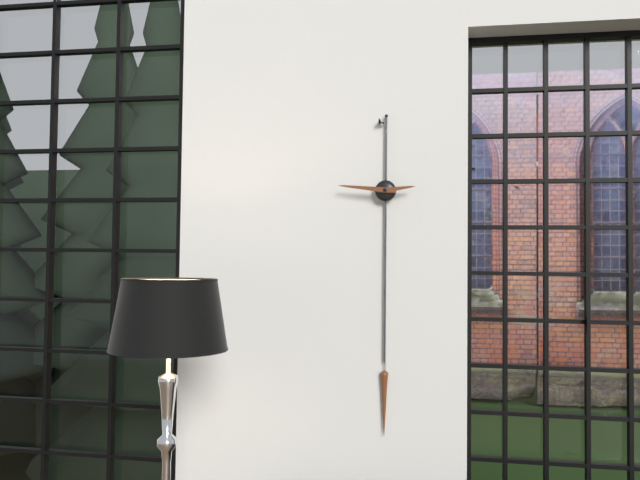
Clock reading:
**2:46**
